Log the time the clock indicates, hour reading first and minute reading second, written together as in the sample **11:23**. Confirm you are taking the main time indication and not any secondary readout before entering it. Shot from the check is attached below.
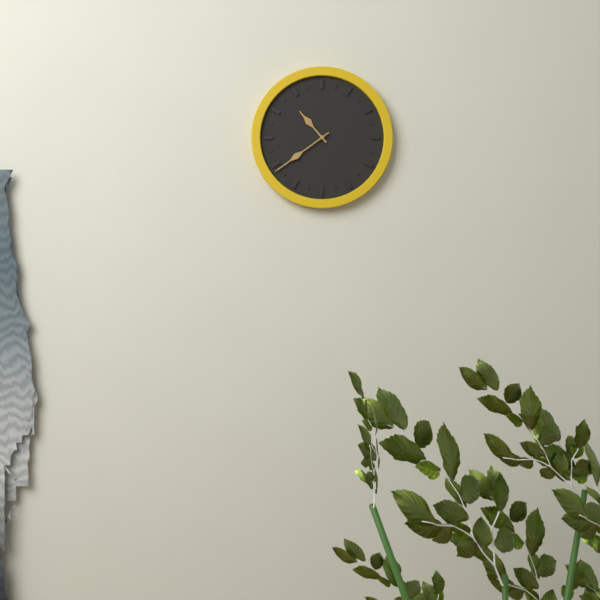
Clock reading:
**10:39**
